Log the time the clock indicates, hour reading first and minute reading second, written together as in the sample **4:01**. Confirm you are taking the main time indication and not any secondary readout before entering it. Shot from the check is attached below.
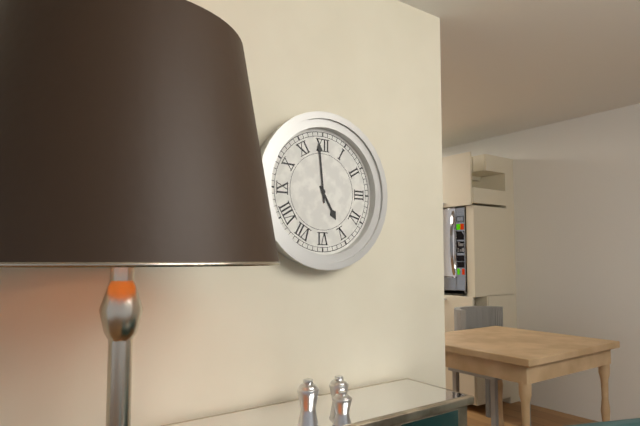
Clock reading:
**4:59**
